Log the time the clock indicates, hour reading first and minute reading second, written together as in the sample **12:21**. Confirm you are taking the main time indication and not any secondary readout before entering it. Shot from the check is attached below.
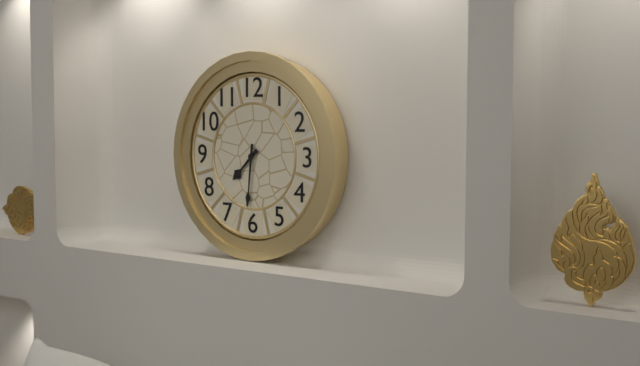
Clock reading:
**7:31**
